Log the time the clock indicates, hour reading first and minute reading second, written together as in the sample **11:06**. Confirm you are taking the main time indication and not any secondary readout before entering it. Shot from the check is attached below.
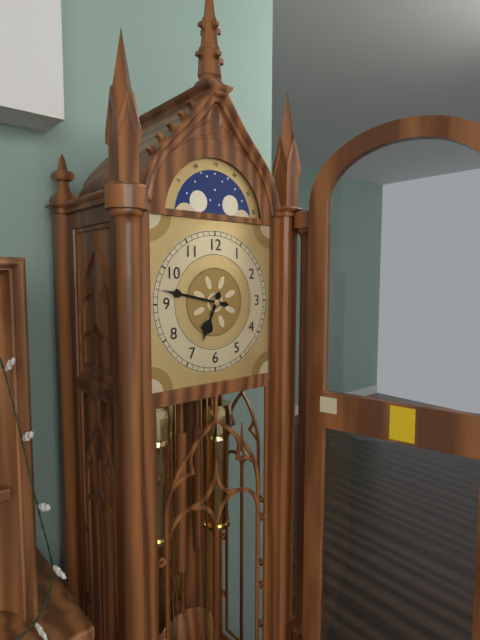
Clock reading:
**6:47**
